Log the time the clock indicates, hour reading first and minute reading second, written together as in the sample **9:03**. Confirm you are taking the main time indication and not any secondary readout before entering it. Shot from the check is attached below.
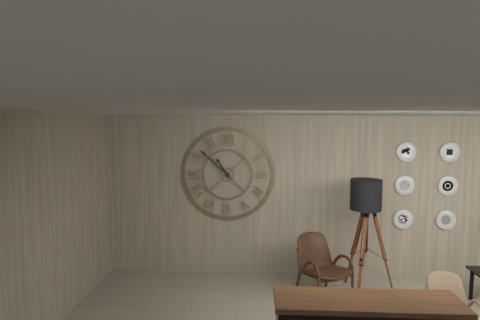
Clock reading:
**10:52**
